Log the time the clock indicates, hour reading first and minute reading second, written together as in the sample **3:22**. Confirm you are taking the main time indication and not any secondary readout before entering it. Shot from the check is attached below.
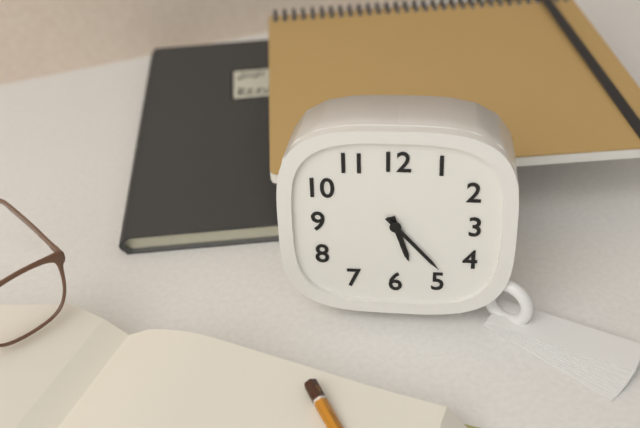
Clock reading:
**5:23**
